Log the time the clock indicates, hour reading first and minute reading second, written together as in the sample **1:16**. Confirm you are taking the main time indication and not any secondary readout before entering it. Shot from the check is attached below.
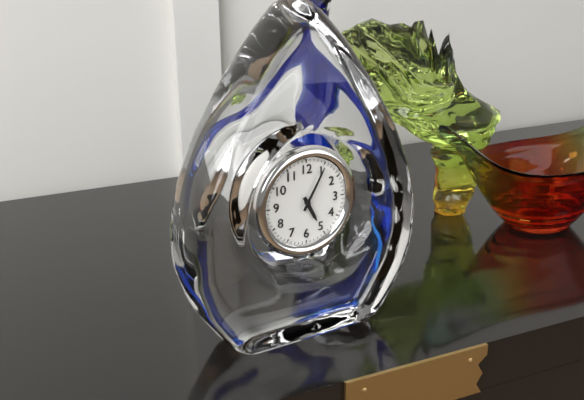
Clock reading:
**5:05**
